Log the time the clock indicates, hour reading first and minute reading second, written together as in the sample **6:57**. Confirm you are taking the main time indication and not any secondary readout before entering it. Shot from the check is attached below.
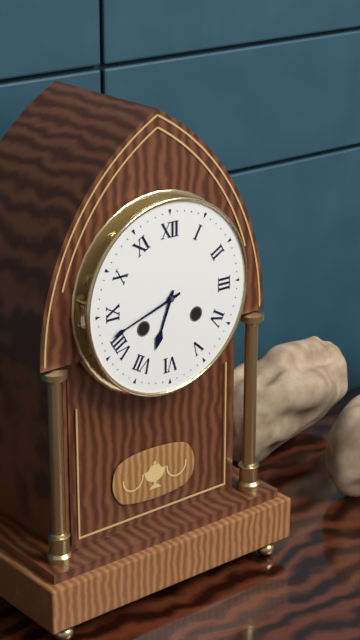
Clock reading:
**6:42**
